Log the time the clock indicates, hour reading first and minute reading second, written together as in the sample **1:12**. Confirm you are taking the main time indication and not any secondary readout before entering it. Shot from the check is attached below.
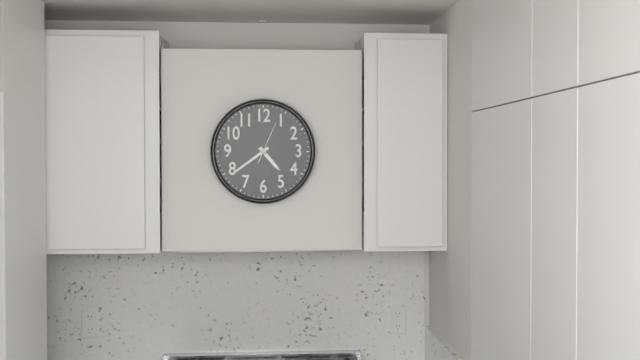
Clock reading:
**4:39**
